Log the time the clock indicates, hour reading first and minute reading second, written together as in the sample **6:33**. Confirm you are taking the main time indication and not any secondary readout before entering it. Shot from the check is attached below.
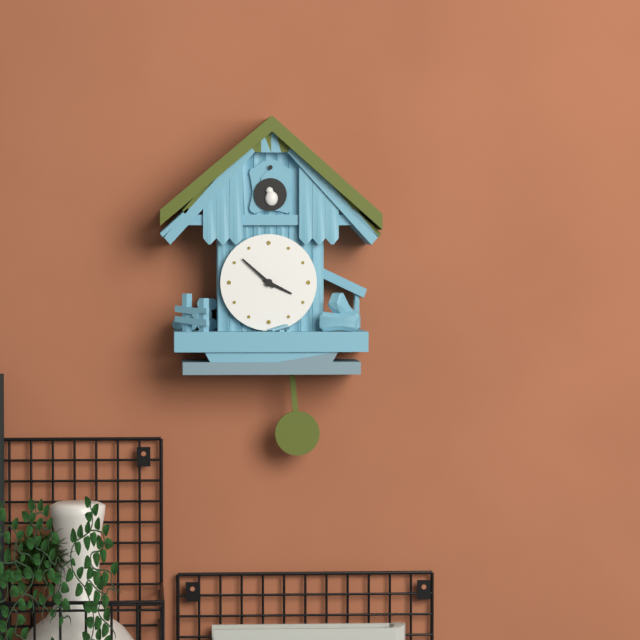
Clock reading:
**3:52**
